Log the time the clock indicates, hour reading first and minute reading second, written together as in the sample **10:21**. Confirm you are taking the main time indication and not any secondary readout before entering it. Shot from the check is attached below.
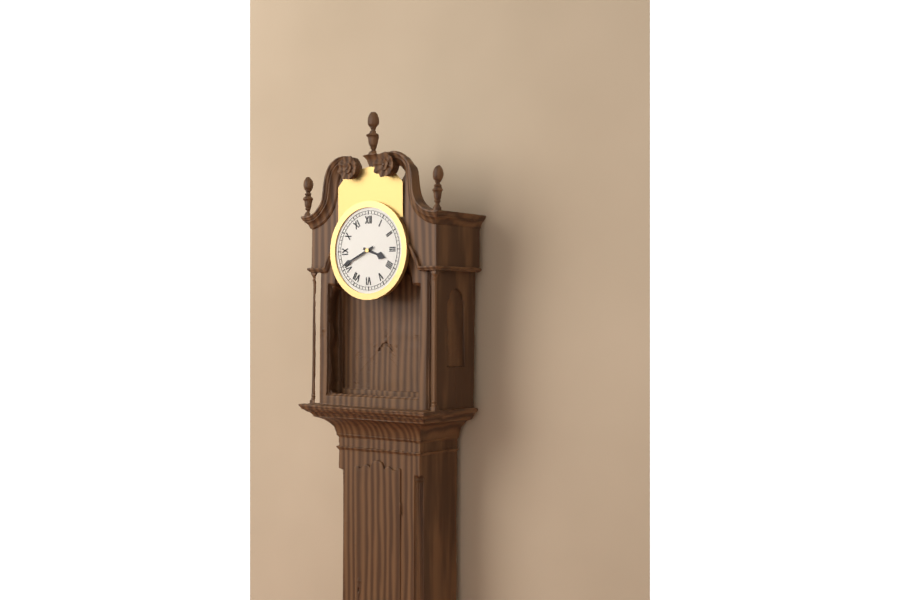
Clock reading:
**3:41**
